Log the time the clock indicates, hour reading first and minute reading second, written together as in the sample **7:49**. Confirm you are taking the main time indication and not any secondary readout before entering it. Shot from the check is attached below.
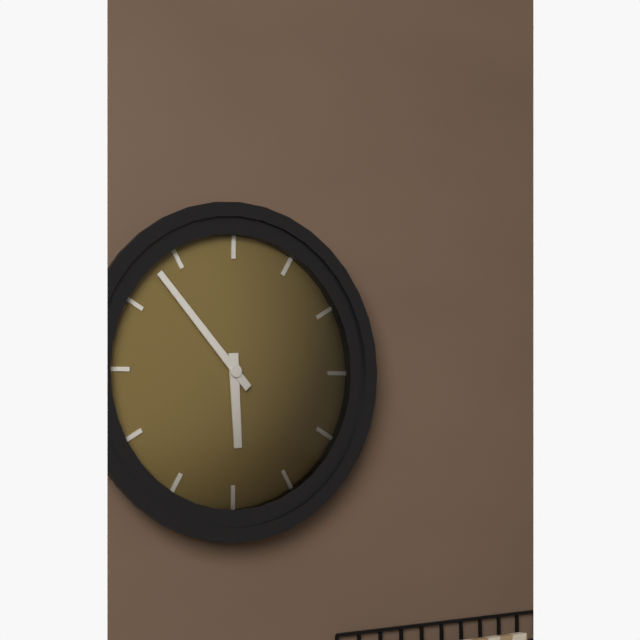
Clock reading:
**5:53**
